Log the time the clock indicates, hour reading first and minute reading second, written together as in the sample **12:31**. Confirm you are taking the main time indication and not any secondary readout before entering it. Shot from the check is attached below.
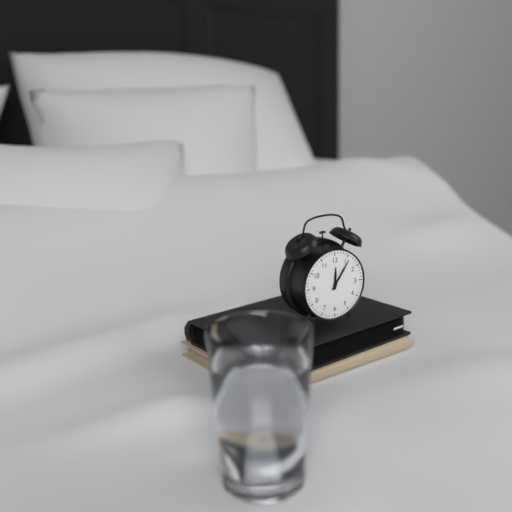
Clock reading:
**12:06**
